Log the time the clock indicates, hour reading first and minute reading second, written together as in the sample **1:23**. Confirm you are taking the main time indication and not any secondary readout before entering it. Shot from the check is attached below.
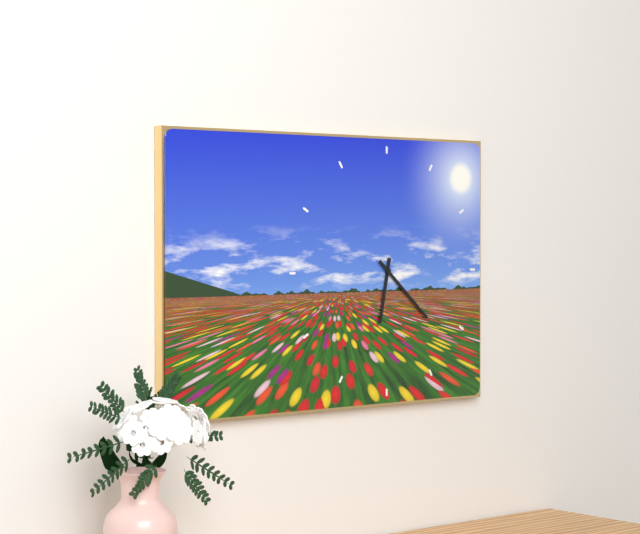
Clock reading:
**6:22**
